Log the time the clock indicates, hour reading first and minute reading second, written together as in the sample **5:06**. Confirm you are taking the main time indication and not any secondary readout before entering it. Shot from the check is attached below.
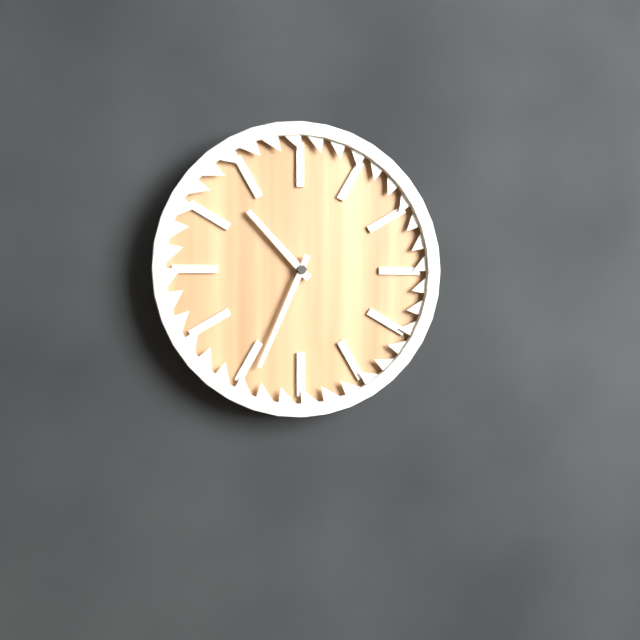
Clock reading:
**10:34**
